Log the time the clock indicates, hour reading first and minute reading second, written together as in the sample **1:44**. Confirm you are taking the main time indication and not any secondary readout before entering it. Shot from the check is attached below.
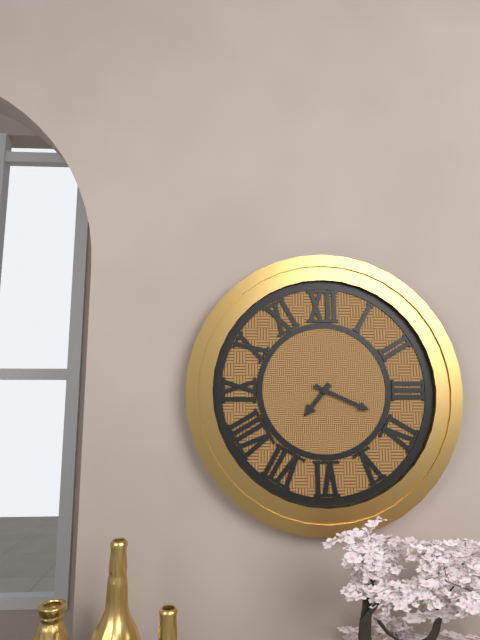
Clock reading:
**7:19**
